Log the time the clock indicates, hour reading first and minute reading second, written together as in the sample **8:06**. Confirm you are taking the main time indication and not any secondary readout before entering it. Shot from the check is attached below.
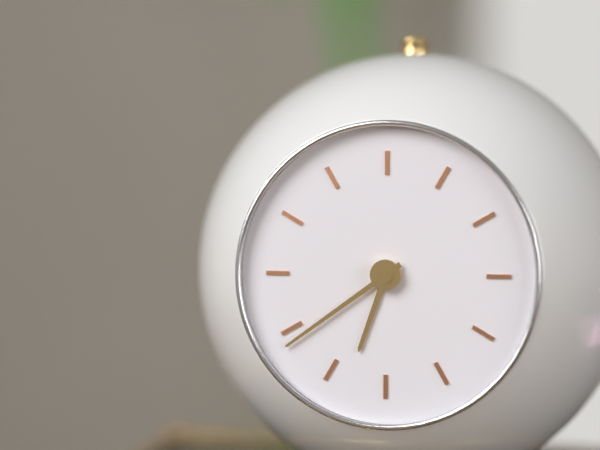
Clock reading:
**6:39**
